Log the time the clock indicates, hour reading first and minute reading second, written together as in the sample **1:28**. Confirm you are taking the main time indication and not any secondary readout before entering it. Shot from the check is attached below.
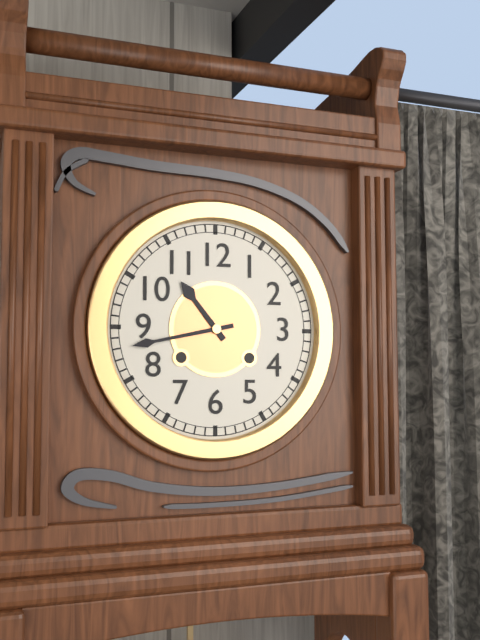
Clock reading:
**10:43**
